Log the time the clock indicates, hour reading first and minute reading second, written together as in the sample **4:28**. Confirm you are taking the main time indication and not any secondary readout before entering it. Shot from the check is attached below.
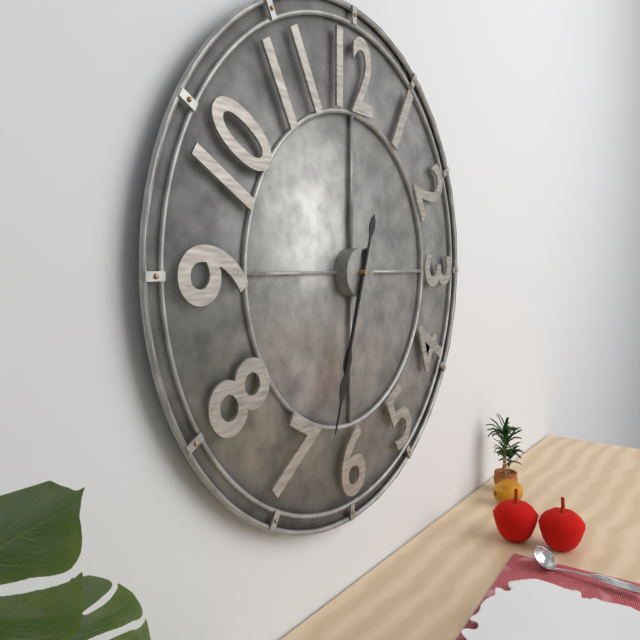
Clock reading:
**6:33**
